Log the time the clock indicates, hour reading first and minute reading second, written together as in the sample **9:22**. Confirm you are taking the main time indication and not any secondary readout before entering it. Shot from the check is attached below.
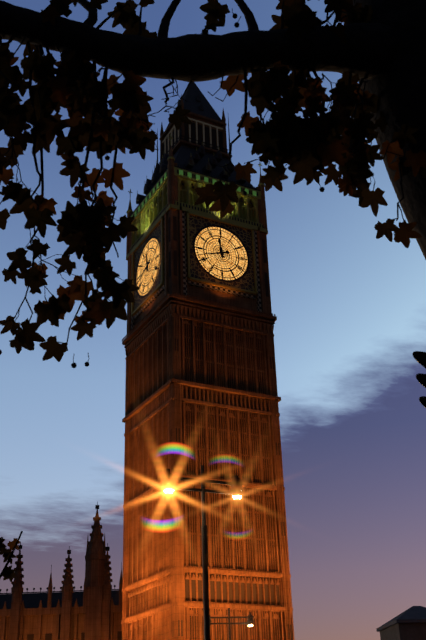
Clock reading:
**11:42**
